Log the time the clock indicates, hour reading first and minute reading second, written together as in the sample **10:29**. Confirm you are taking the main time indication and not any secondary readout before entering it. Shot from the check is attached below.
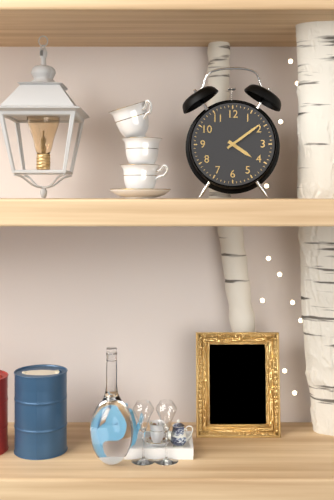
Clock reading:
**4:09**
